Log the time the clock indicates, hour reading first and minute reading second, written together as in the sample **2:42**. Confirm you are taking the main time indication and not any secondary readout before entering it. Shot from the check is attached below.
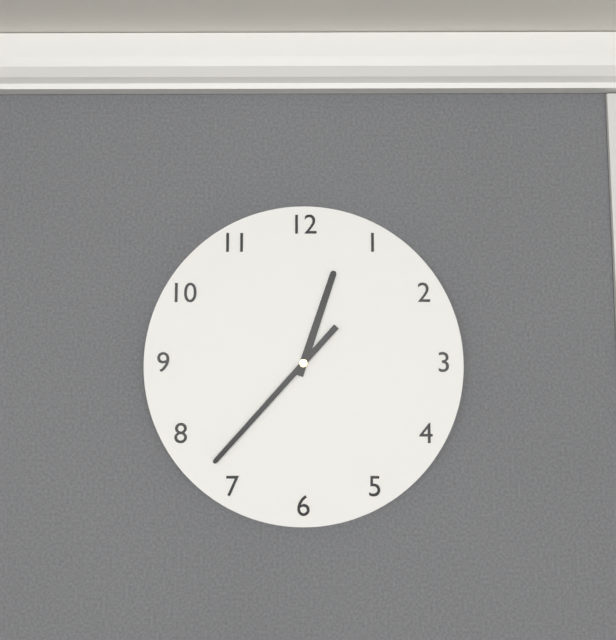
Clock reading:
**12:37**
